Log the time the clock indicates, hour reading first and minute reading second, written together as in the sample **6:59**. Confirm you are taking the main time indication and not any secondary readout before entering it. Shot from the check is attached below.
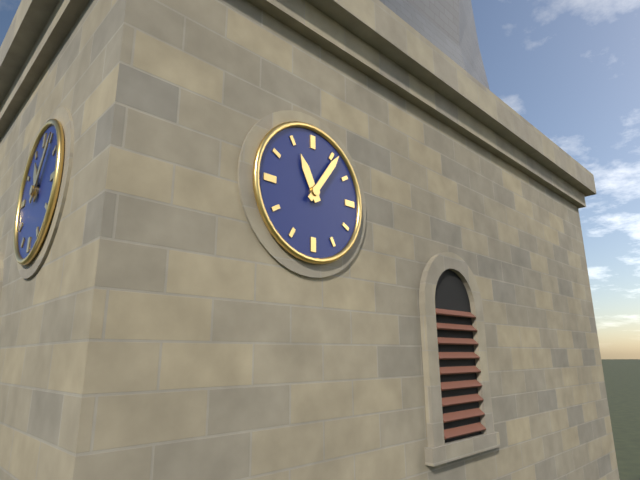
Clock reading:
**11:06**
